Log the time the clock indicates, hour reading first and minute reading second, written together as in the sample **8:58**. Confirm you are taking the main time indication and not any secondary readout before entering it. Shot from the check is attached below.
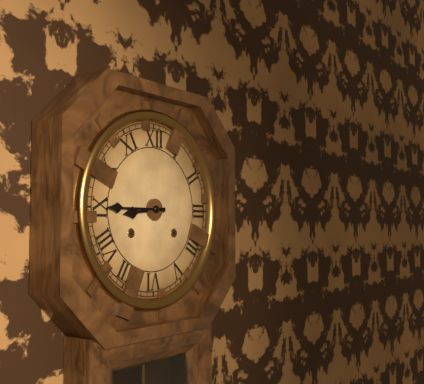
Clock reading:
**8:45**
